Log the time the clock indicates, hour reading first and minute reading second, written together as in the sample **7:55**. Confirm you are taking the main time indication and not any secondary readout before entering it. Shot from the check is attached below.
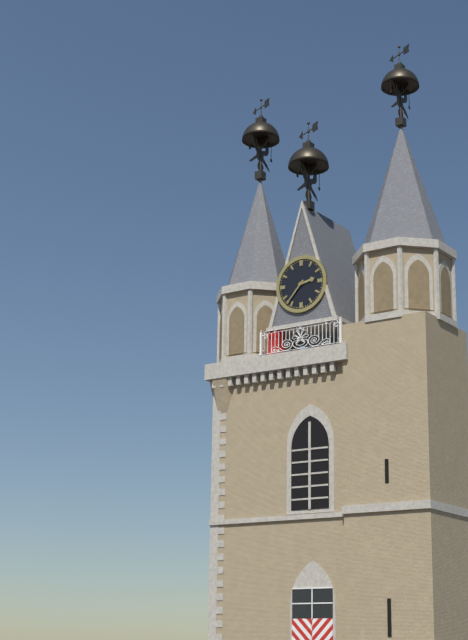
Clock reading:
**2:37**
